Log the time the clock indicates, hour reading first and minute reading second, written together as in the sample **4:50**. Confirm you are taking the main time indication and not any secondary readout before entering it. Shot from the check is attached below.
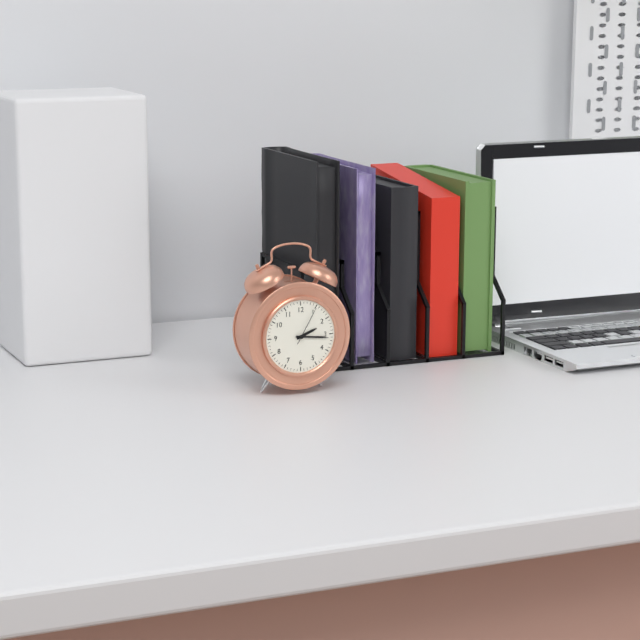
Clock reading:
**2:16**
